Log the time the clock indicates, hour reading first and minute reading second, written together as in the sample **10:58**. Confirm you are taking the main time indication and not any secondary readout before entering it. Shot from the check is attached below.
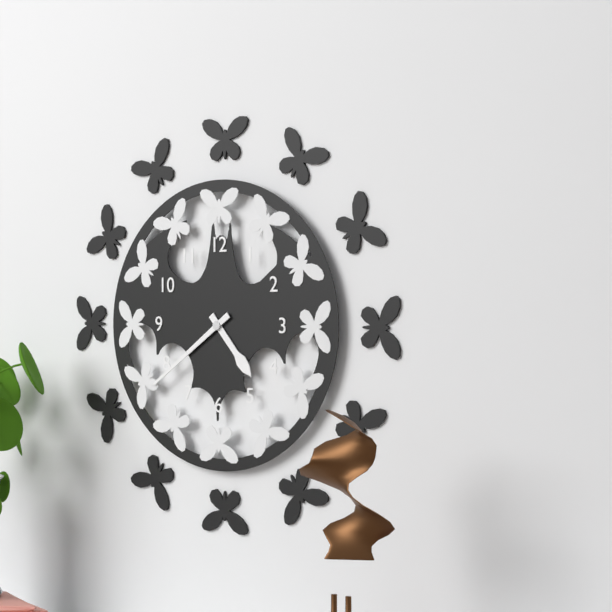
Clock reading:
**4:39**
